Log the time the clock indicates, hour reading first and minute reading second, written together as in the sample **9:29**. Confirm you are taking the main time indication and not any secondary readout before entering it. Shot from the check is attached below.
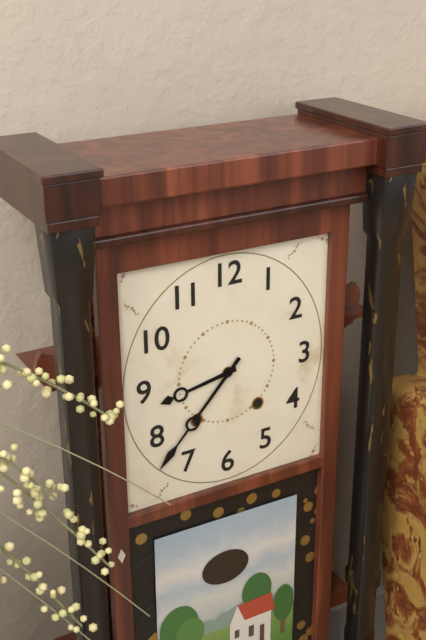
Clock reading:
**8:37**
